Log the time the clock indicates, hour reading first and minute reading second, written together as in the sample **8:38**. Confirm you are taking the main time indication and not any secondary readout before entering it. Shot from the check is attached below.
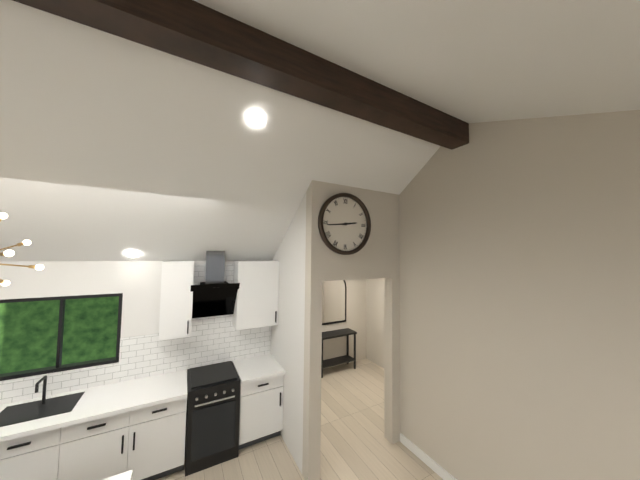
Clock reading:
**2:44**
